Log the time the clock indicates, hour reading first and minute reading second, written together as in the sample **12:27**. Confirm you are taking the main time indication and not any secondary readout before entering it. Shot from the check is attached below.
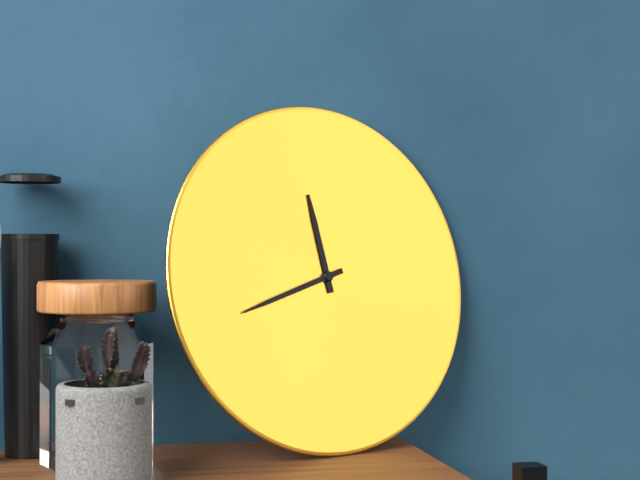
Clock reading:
**11:42**
